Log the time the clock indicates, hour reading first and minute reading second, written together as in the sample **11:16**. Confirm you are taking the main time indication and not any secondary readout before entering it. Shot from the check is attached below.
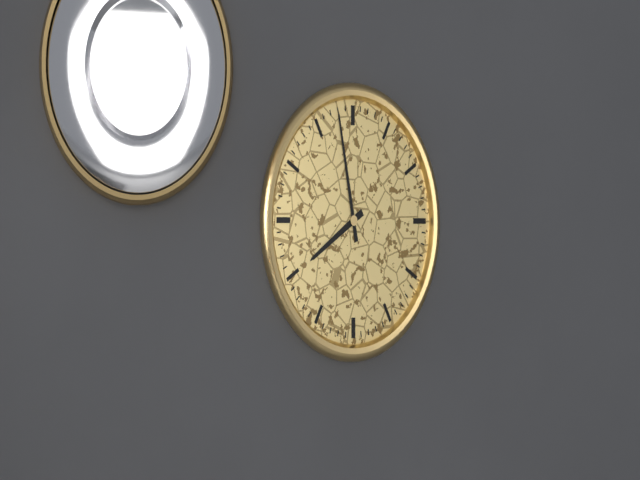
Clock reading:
**7:58**
